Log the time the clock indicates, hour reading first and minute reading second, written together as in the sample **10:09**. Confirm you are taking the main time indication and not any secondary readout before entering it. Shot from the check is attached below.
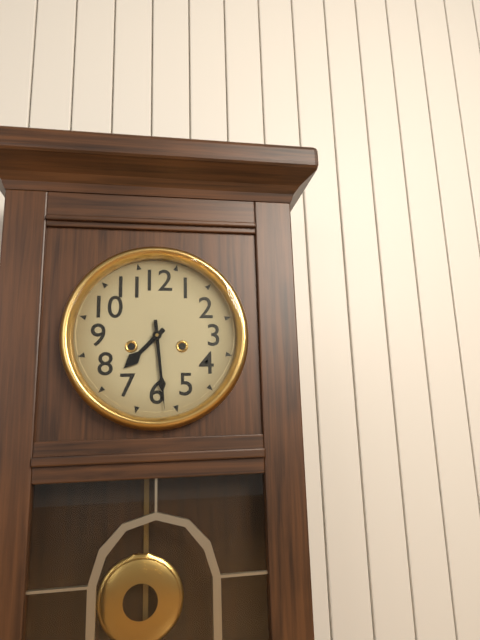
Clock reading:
**7:29**
